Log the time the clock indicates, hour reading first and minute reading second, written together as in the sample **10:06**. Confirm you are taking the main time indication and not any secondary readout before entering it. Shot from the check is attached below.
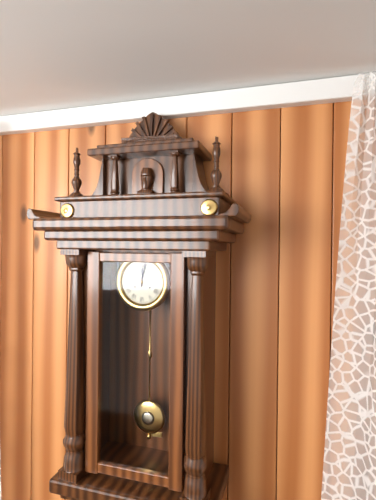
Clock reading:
**12:02**
